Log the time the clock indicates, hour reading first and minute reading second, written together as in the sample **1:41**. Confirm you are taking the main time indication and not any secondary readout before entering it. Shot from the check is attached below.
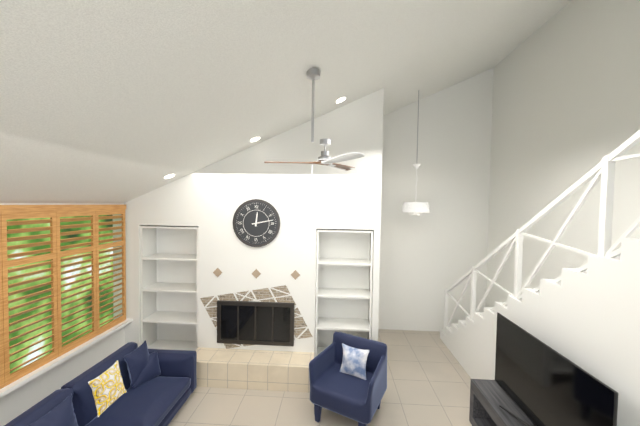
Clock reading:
**12:13**
